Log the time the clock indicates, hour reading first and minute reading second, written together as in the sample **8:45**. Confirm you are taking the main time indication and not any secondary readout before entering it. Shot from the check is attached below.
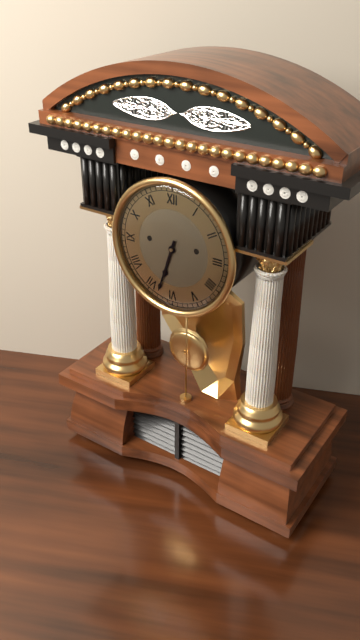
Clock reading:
**6:33**
